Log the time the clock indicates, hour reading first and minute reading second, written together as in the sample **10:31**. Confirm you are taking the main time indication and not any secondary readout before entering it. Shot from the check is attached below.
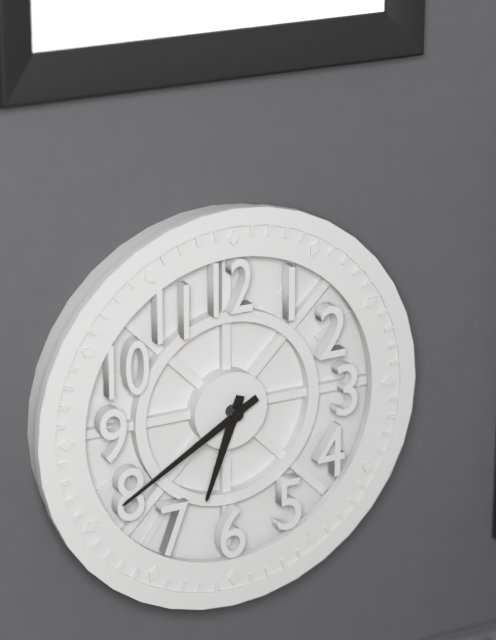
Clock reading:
**6:40**
